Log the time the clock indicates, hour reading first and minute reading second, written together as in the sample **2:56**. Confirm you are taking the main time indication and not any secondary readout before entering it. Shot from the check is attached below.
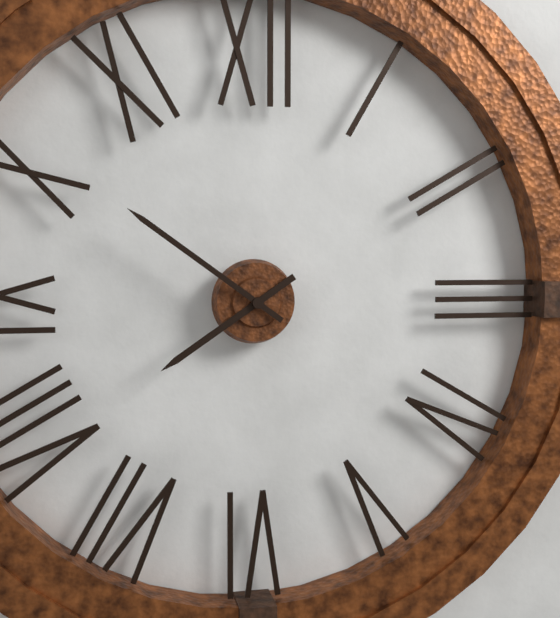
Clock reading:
**7:51**
